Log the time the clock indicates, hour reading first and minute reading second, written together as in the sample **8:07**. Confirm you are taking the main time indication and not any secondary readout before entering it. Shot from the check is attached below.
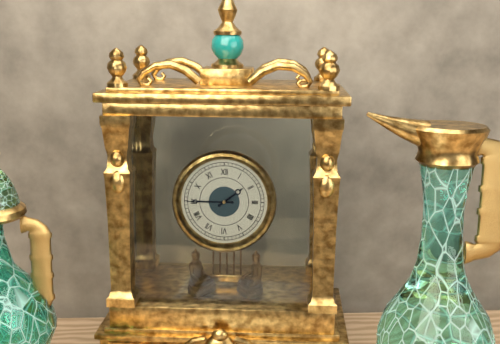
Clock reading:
**1:45**
